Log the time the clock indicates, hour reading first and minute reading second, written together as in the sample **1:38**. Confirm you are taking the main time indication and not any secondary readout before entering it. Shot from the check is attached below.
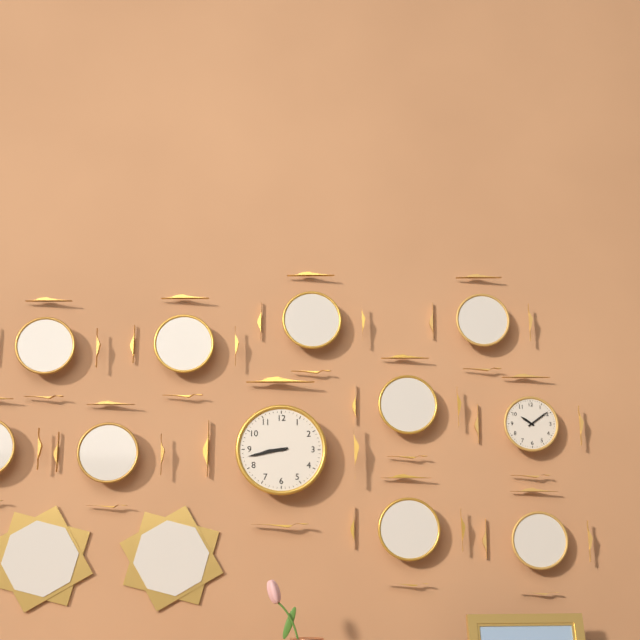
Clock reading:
**8:43**
